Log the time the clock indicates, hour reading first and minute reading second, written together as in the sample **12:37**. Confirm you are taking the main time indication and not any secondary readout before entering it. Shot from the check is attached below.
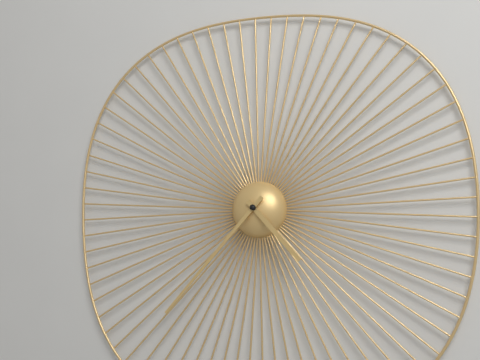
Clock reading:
**4:37**
